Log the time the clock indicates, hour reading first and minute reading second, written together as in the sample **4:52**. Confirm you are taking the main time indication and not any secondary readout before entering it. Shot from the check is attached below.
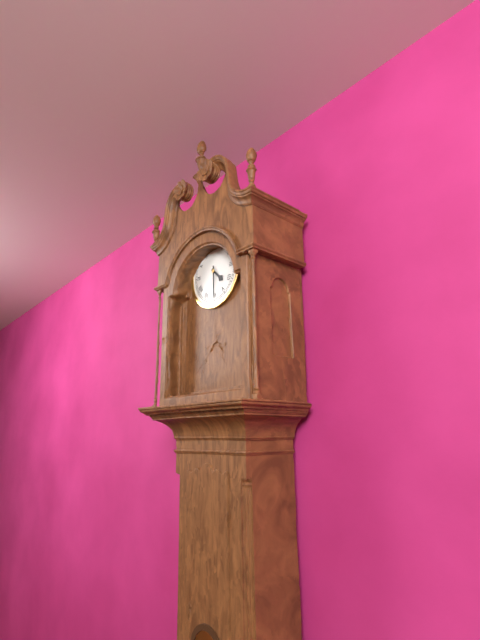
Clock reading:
**4:30**
